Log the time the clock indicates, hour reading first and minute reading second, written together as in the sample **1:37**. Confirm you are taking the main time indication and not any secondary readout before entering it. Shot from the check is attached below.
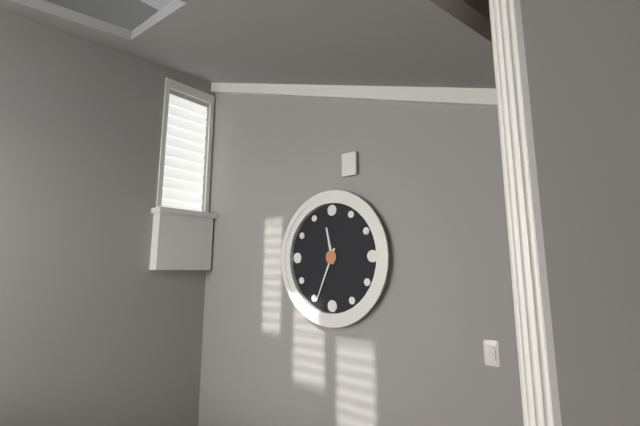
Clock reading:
**11:34**
